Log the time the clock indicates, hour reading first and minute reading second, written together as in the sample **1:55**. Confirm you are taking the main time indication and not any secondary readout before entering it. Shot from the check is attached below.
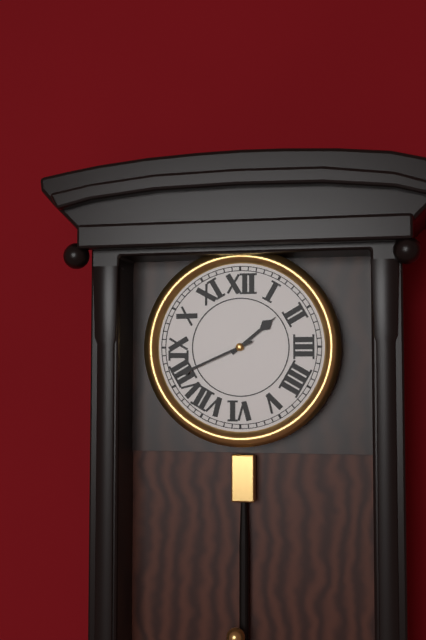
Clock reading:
**1:41**
